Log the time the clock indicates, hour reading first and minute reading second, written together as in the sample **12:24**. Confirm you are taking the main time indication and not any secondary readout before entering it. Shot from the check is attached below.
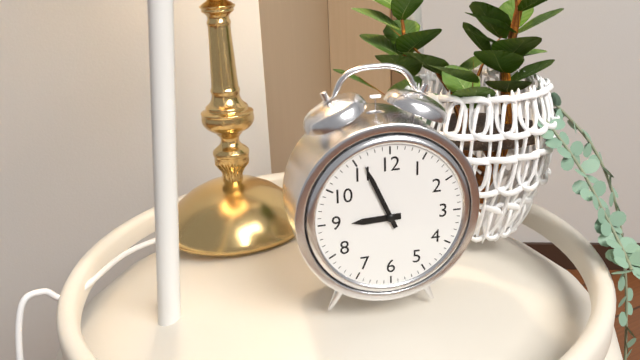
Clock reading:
**8:56**
